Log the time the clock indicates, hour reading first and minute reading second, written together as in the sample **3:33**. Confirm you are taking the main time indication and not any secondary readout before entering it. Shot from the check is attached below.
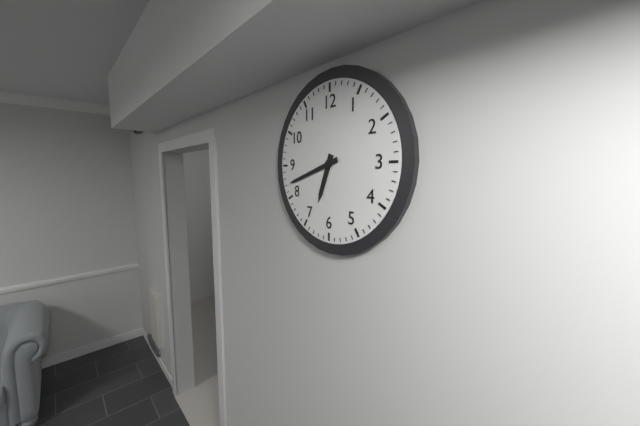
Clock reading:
**6:42**
